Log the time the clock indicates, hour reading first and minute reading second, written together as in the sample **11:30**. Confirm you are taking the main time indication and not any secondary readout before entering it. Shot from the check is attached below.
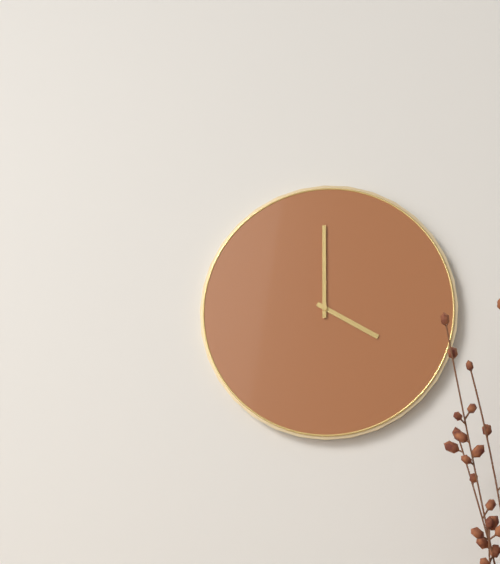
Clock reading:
**4:00**
